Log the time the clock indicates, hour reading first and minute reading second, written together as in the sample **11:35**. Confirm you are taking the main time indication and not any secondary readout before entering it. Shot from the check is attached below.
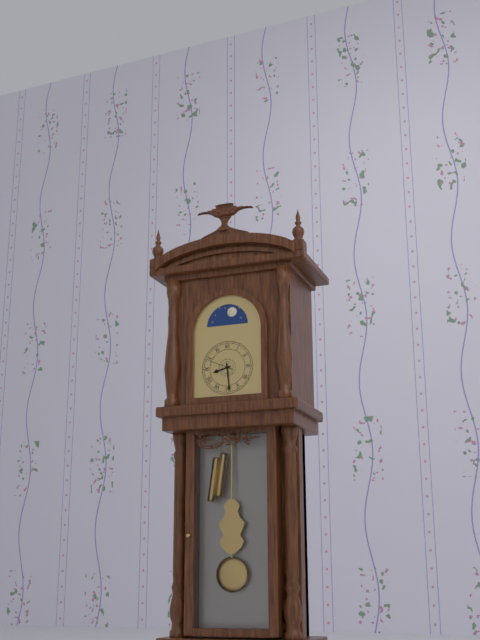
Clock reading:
**8:29**
